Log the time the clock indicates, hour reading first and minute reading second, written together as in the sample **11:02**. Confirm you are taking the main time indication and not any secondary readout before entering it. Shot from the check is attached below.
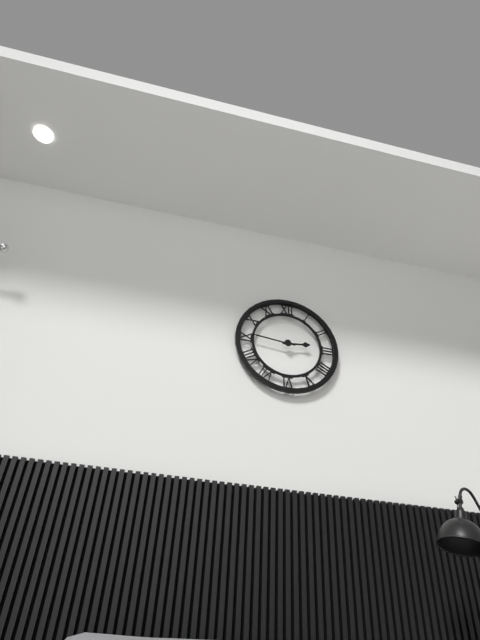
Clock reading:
**2:46**
